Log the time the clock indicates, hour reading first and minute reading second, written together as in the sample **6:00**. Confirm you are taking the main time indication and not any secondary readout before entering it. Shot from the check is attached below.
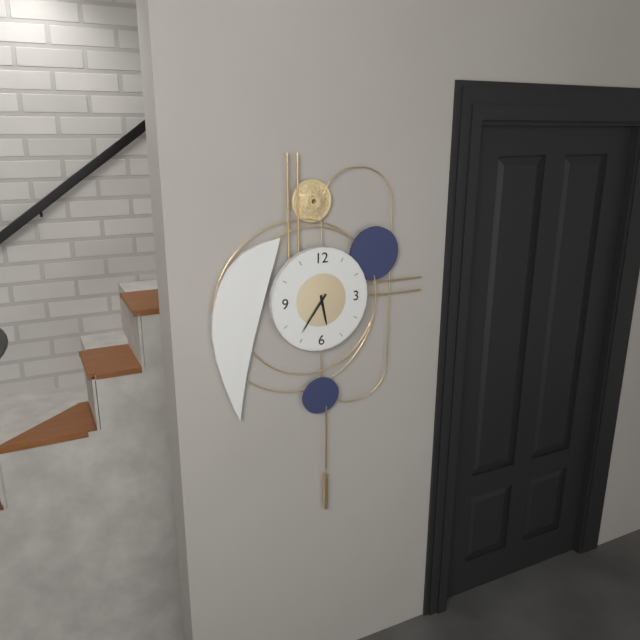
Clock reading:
**5:36**
